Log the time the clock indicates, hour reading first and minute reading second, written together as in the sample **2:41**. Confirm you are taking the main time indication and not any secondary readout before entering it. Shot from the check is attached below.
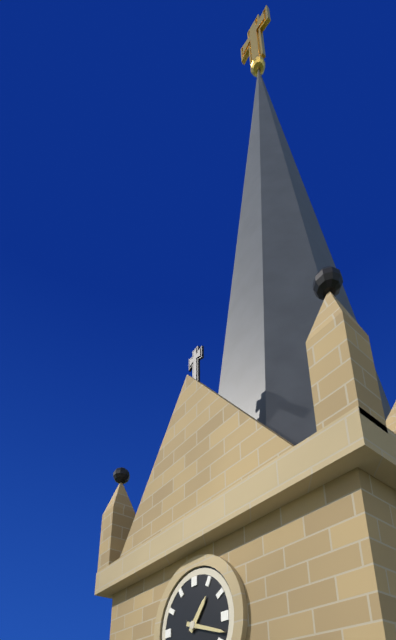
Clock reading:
**1:18**
